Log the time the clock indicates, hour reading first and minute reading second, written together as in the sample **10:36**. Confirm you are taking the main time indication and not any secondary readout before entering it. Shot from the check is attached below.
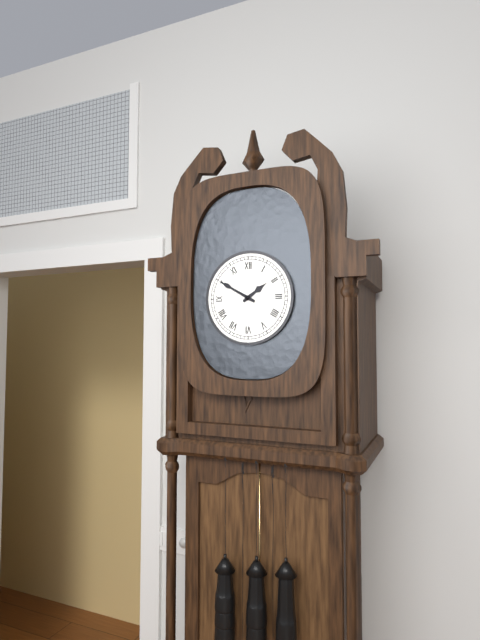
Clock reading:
**1:50**
